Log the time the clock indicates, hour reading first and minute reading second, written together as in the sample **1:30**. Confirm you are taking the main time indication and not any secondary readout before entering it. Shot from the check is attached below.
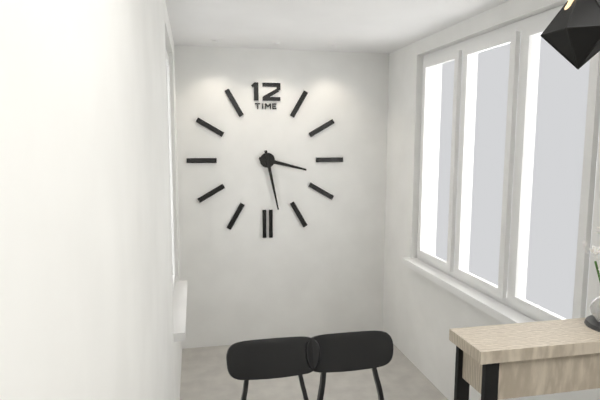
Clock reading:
**3:28**
